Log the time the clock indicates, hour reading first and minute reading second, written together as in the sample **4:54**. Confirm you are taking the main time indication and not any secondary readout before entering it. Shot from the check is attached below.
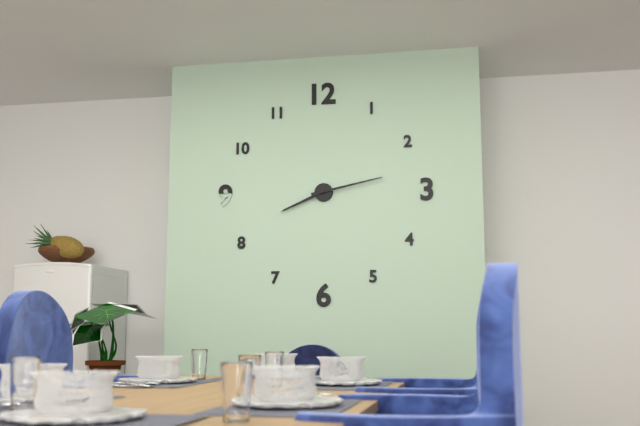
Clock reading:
**8:13**
